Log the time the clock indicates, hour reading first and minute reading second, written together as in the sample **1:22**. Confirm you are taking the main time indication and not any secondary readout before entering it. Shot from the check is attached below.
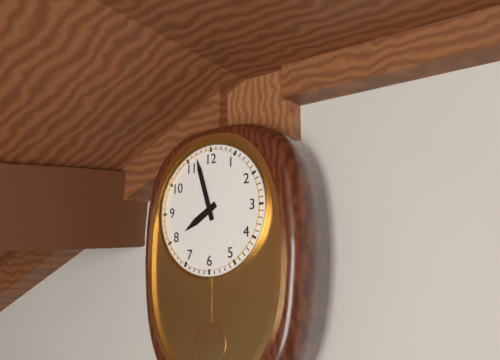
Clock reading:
**7:57**
